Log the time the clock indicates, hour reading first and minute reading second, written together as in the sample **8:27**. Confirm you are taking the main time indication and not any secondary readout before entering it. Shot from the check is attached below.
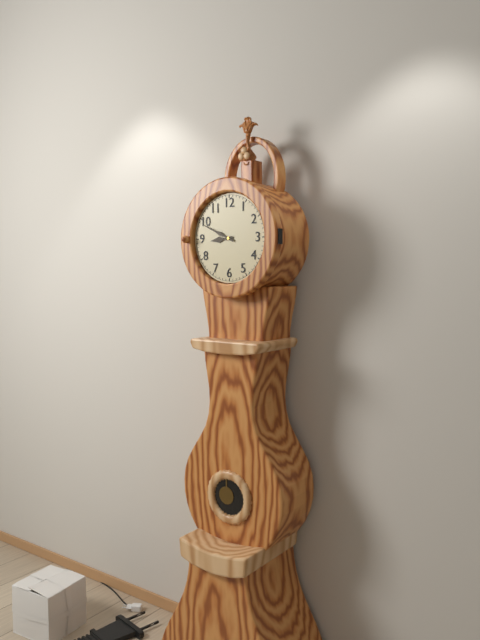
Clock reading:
**8:49**
